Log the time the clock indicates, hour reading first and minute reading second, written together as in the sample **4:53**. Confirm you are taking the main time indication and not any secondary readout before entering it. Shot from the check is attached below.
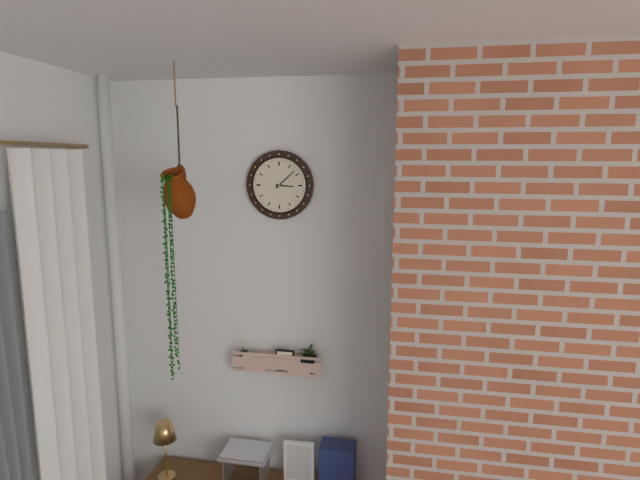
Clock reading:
**3:08**
